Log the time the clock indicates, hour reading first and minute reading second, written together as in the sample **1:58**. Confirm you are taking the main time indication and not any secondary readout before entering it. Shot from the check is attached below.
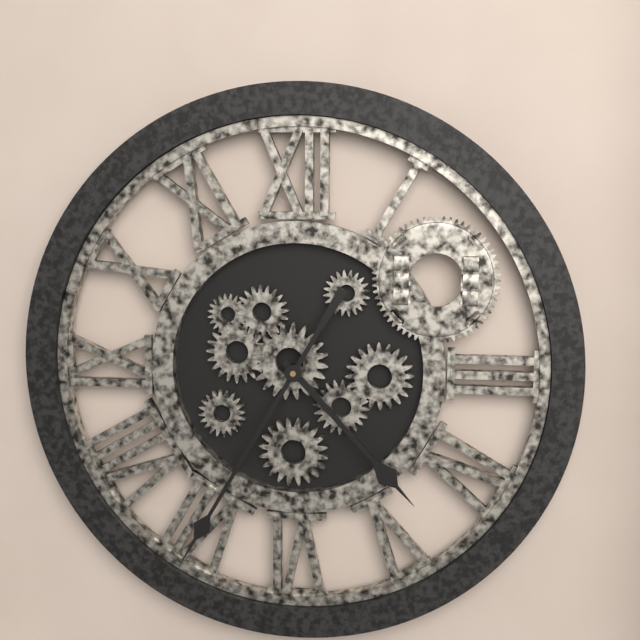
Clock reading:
**4:35**
